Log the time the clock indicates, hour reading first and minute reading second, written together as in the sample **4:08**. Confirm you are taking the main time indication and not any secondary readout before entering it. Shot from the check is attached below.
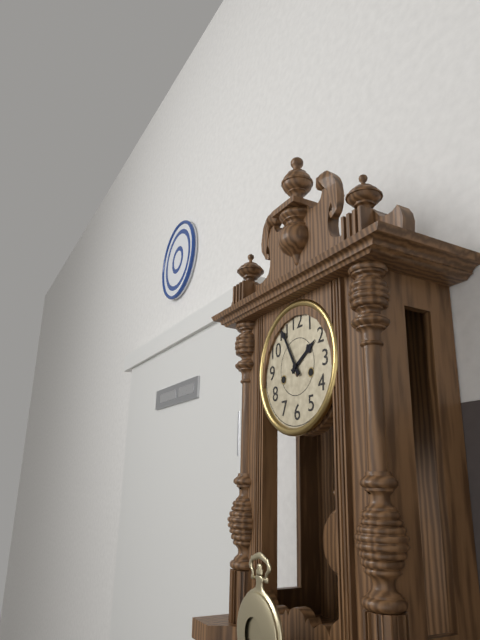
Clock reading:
**1:55**
